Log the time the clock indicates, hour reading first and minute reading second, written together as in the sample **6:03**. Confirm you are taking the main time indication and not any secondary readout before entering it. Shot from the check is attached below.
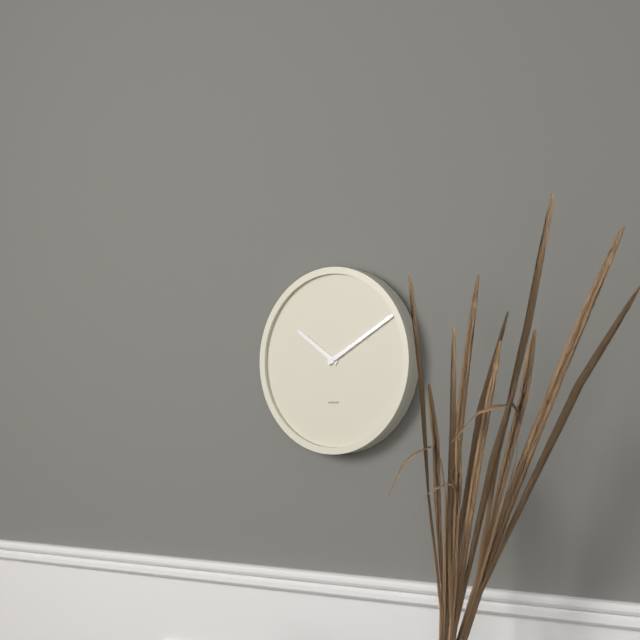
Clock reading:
**10:10**
